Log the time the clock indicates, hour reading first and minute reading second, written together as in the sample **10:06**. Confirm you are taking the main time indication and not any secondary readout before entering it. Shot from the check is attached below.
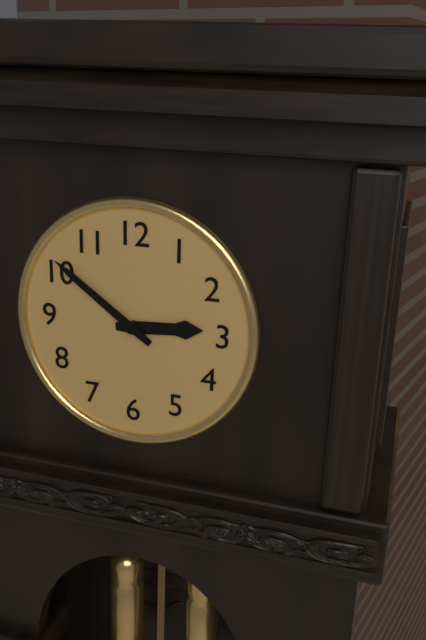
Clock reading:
**2:51**
